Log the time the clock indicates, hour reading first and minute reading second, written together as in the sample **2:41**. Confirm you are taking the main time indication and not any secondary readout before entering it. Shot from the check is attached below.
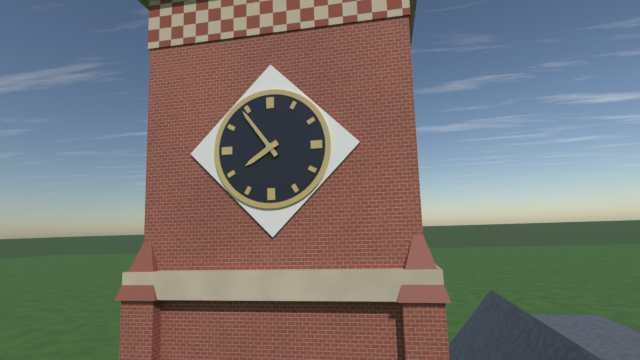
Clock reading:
**7:54**
